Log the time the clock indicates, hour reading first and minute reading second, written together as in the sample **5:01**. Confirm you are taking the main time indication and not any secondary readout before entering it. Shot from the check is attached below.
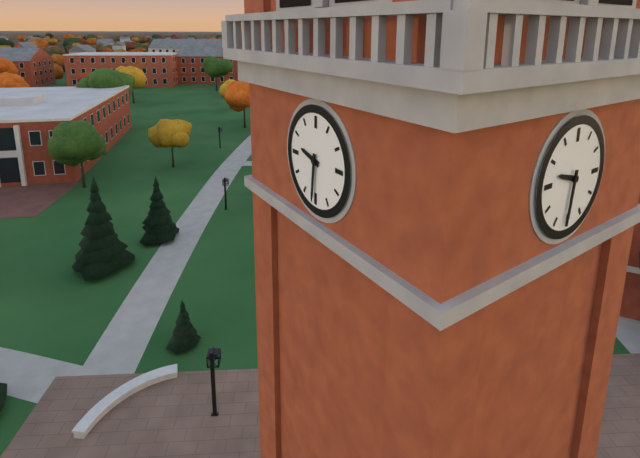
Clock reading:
**9:31**
